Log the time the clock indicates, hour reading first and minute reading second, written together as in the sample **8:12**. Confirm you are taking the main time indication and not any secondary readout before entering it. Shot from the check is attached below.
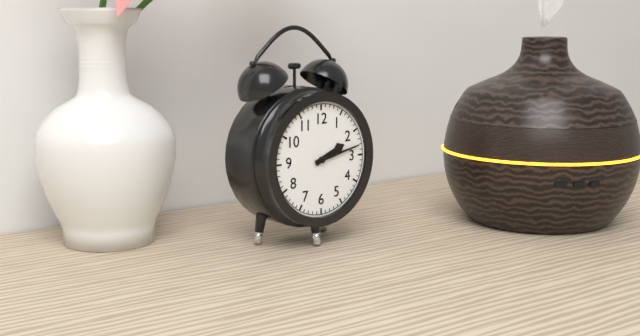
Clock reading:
**2:13**
